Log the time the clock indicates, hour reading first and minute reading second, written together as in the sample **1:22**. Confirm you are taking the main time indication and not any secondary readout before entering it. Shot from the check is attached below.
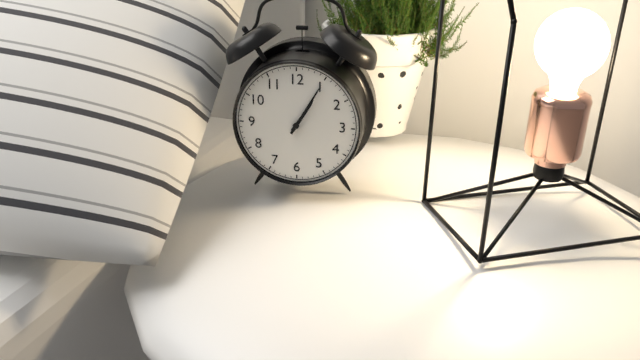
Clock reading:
**1:05**
